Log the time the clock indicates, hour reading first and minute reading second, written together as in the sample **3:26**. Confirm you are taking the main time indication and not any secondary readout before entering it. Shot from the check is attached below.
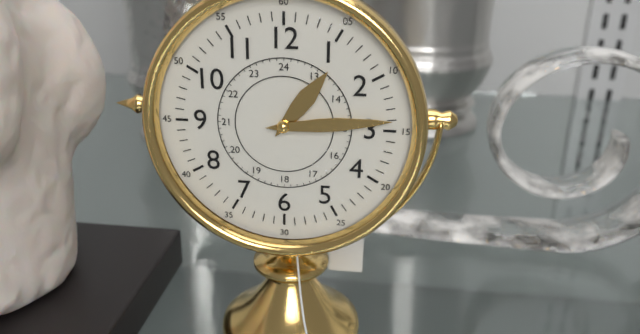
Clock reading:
**1:14**
